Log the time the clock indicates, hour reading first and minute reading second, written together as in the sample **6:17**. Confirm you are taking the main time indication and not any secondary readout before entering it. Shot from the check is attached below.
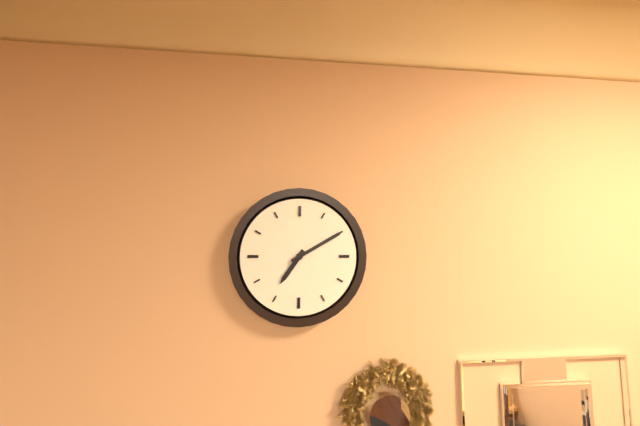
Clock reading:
**7:10**
